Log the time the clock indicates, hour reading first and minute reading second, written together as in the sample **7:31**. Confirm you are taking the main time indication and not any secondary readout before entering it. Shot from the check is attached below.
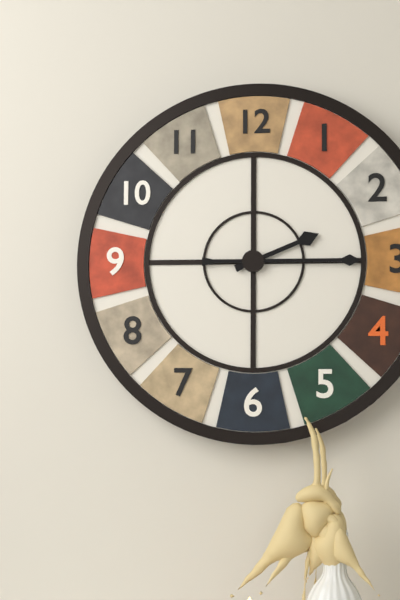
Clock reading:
**2:15**
